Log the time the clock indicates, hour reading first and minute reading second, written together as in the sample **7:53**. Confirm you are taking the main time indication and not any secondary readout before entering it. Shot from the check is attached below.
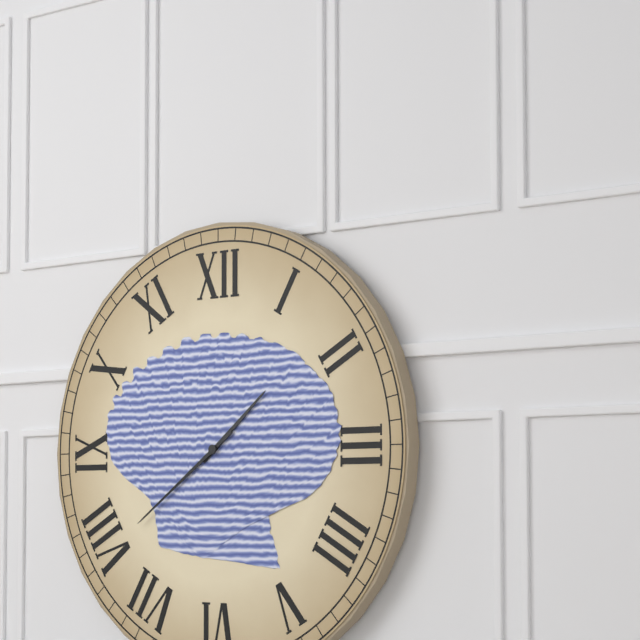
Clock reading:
**1:39**
